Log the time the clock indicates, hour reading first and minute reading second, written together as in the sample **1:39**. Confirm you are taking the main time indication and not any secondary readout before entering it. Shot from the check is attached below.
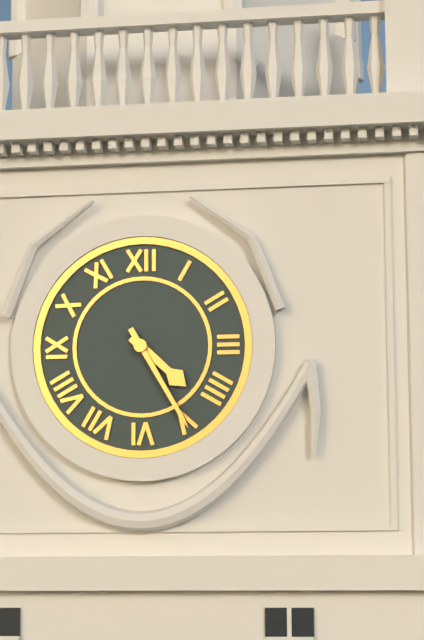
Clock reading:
**4:25**
